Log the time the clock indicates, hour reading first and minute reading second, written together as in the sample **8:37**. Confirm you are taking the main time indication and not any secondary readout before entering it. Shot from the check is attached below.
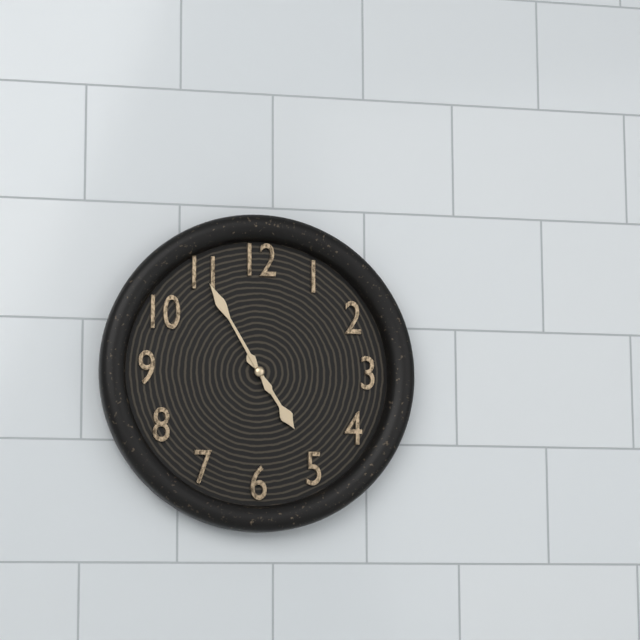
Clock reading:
**4:55**
